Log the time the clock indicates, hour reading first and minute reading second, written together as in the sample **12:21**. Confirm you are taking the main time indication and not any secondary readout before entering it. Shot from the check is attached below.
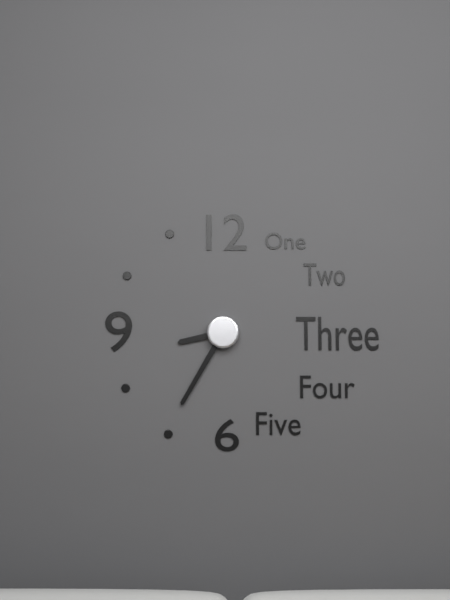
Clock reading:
**8:35**
